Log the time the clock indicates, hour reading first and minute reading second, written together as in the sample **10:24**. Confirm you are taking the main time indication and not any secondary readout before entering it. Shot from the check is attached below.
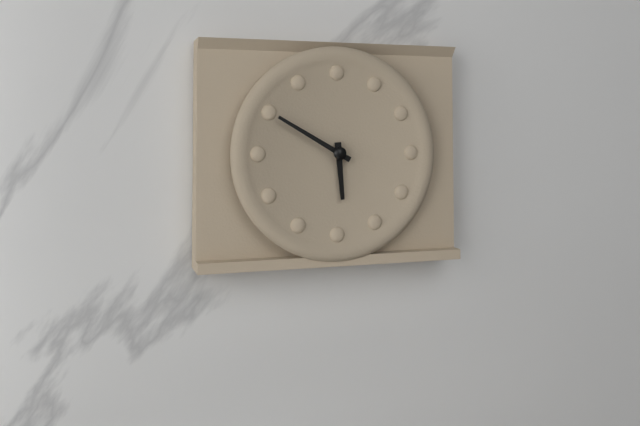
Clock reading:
**5:50**
